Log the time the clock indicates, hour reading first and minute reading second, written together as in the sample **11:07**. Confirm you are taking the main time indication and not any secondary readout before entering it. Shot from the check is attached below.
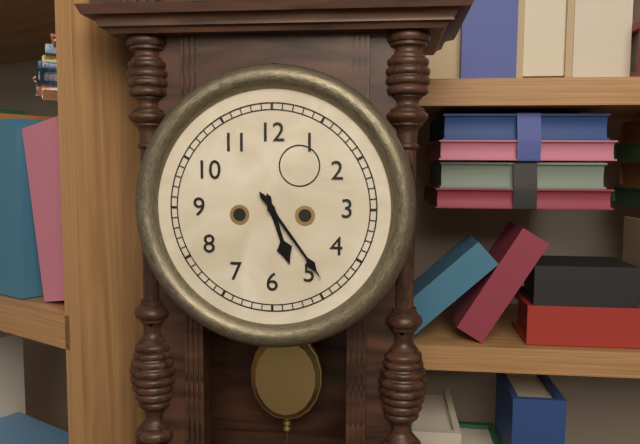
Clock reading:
**5:24**
